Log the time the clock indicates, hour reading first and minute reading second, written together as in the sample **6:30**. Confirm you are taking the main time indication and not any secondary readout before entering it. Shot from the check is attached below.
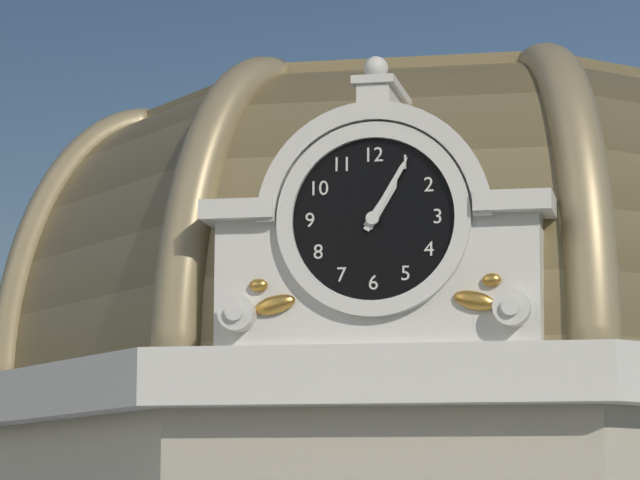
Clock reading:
**1:05**
